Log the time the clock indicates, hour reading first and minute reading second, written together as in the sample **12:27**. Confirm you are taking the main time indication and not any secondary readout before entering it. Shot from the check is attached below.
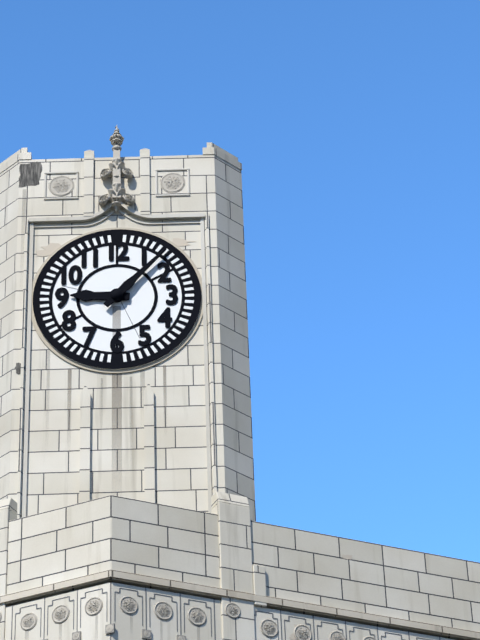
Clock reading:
**9:07**
